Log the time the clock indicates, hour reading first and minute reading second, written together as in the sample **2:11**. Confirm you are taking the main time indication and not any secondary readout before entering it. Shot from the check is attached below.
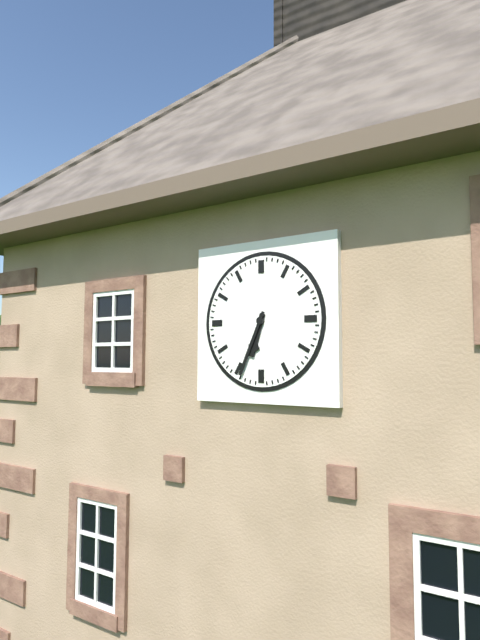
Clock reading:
**6:34**
